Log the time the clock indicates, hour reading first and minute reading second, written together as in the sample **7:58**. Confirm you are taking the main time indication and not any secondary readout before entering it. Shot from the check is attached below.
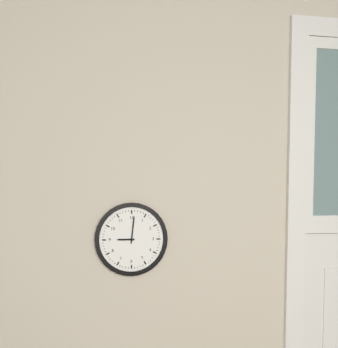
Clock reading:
**9:01**
